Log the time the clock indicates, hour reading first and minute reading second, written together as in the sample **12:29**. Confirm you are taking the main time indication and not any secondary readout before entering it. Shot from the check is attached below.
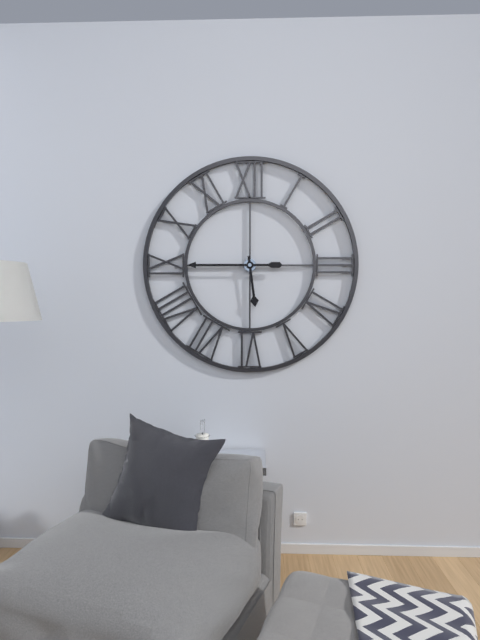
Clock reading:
**5:45**
